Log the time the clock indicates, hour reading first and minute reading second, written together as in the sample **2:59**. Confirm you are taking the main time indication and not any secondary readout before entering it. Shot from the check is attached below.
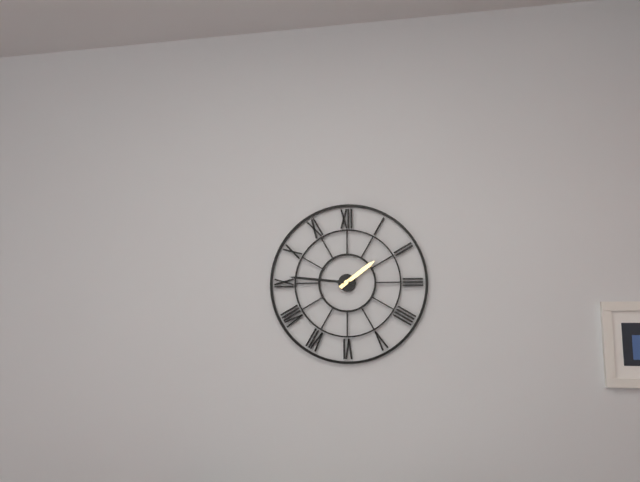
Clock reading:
**1:46**
